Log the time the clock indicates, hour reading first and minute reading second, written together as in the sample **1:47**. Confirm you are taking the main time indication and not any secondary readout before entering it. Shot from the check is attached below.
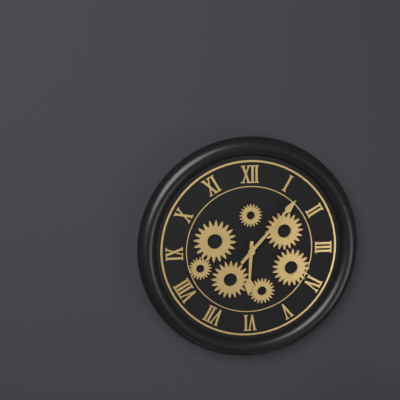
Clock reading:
**6:07**
